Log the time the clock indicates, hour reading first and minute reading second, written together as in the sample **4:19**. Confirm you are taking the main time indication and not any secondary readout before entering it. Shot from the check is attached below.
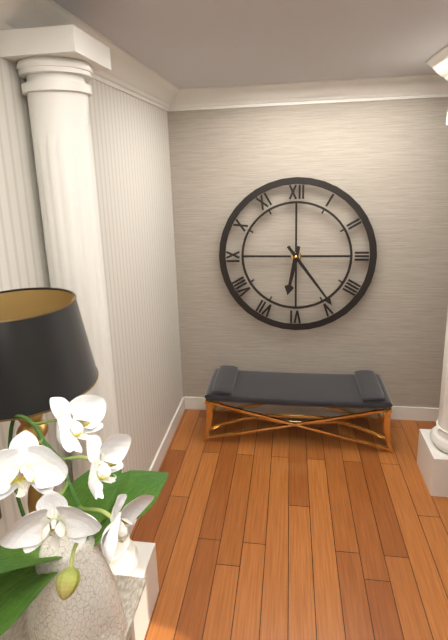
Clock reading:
**6:24**
